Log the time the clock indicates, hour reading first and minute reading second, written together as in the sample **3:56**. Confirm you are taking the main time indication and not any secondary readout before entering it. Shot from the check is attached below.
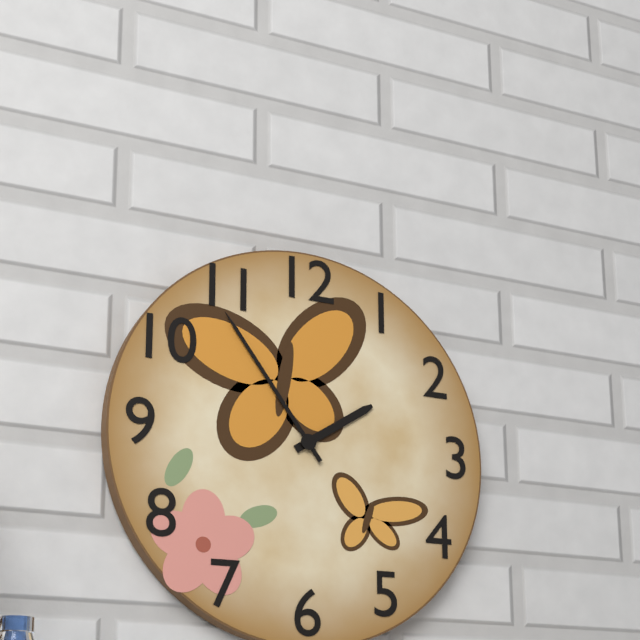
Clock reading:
**1:54**
